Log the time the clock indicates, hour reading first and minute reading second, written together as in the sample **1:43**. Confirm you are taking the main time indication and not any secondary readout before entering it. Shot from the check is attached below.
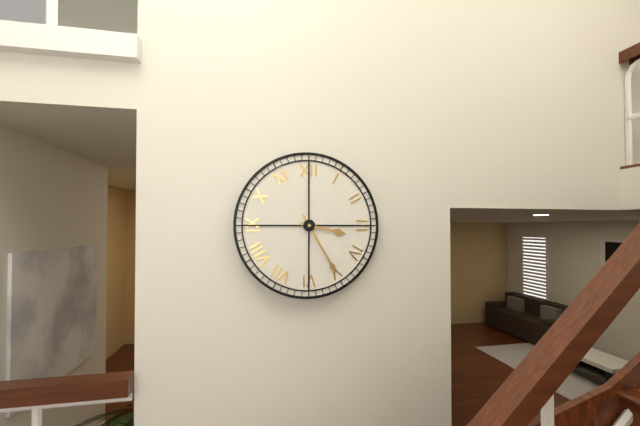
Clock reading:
**3:25**
